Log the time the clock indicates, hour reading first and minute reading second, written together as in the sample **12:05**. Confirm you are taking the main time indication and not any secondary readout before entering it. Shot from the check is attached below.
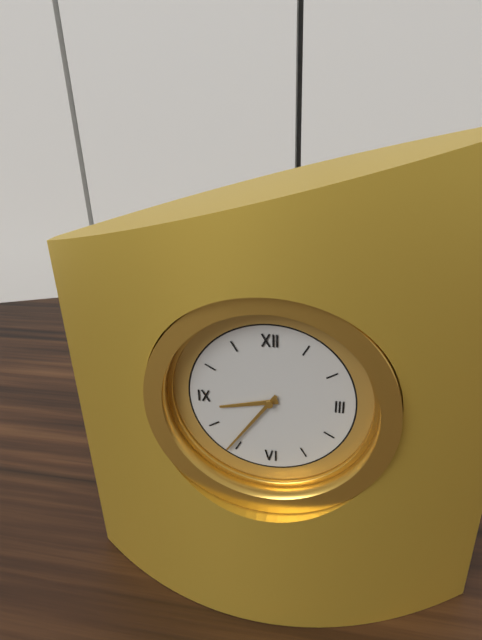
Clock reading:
**8:36**
